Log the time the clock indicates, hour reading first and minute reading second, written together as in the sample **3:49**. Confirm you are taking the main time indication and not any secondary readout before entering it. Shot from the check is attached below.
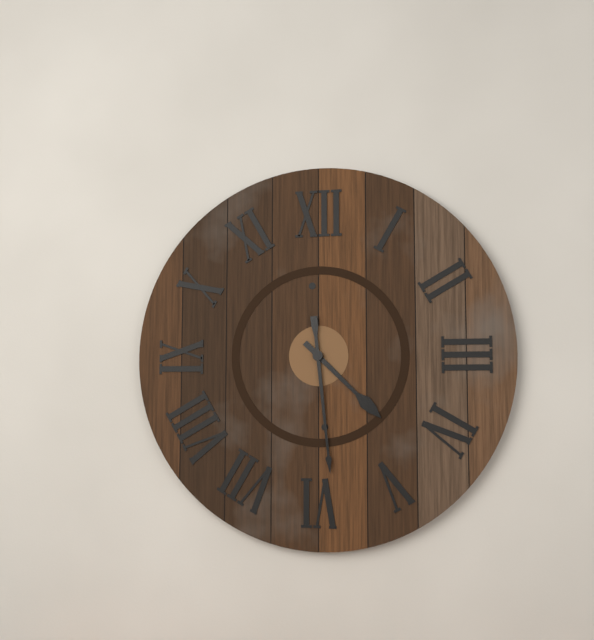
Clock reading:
**4:29**
